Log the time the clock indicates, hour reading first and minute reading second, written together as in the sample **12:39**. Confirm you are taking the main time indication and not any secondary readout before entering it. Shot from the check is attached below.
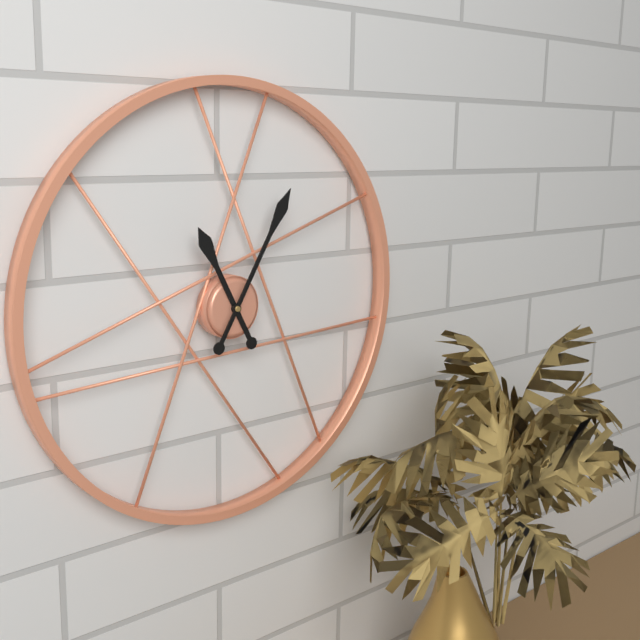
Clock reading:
**11:05**
